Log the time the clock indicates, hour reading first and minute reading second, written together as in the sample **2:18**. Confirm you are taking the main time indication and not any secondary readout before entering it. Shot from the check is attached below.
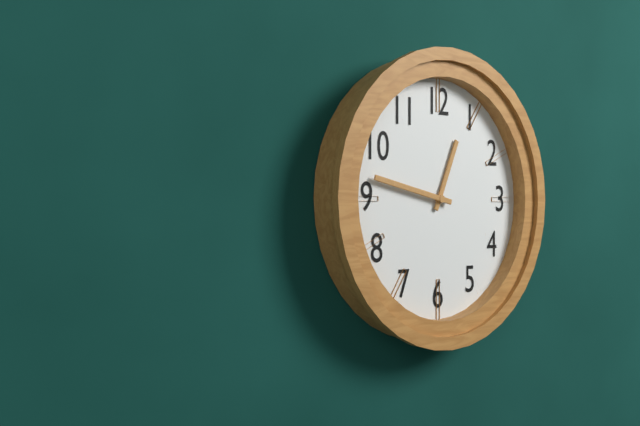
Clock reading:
**12:47**
